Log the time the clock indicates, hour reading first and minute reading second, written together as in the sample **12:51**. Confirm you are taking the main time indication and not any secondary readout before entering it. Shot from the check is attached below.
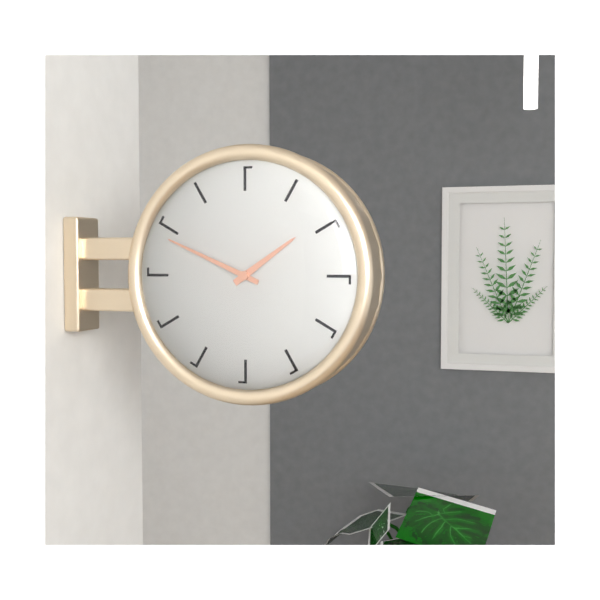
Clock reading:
**1:49**
